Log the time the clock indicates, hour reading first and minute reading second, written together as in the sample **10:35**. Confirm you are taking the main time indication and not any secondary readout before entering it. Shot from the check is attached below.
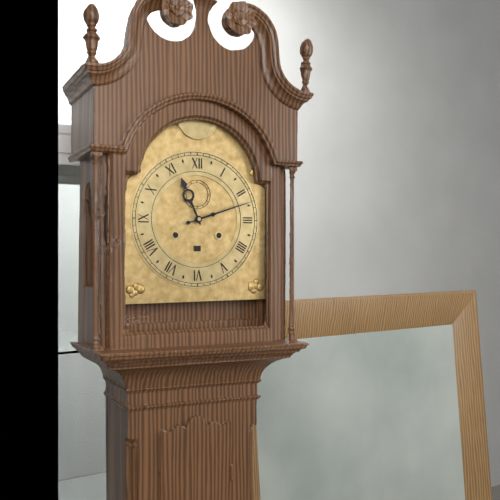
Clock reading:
**11:12**
